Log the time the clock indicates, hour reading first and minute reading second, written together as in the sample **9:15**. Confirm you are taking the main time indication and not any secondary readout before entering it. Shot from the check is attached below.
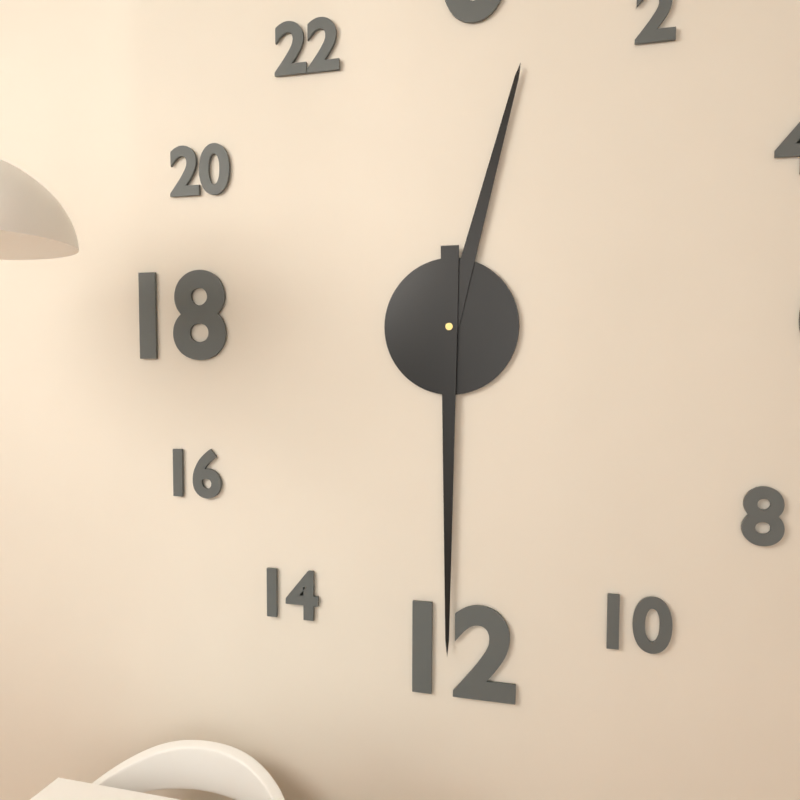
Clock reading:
**12:30**
